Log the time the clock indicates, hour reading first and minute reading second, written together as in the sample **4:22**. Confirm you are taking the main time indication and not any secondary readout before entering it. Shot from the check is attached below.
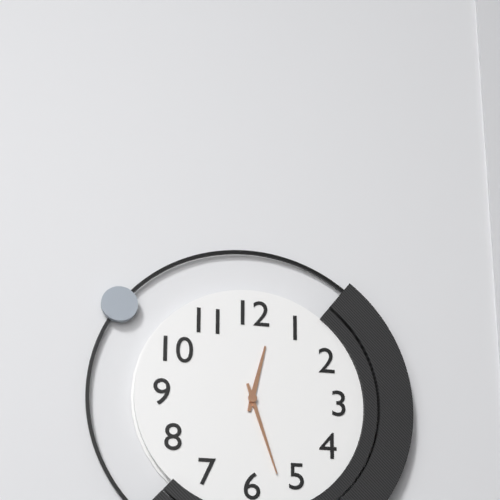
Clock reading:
**12:27**
